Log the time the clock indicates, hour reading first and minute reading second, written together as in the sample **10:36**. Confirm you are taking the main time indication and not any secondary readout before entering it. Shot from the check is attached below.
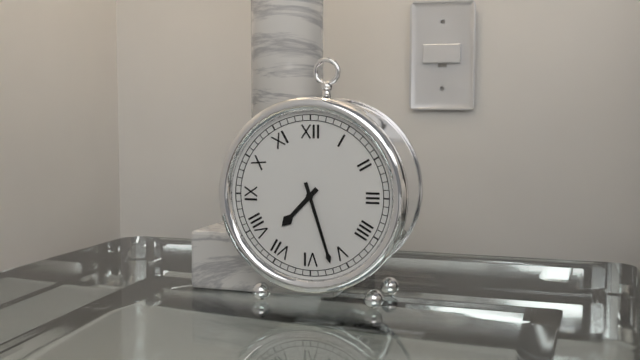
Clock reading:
**7:27**
